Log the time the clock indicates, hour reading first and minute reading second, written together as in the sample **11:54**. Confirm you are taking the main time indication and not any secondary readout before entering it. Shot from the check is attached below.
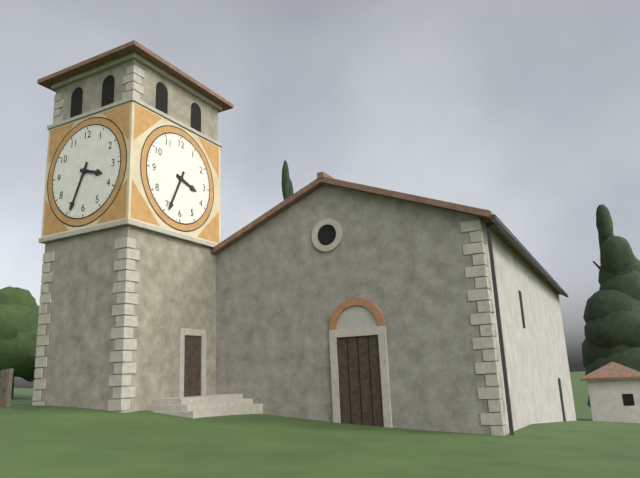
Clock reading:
**3:34**
